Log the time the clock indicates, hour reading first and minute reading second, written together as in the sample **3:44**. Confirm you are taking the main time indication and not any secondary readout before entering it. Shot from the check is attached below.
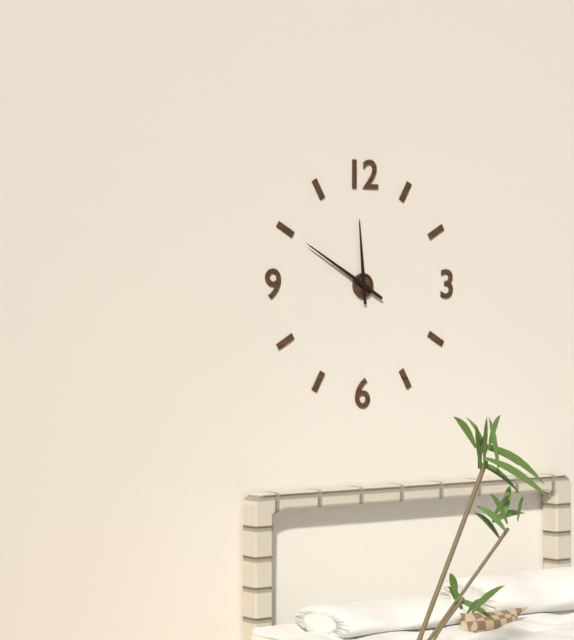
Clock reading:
**11:50**
